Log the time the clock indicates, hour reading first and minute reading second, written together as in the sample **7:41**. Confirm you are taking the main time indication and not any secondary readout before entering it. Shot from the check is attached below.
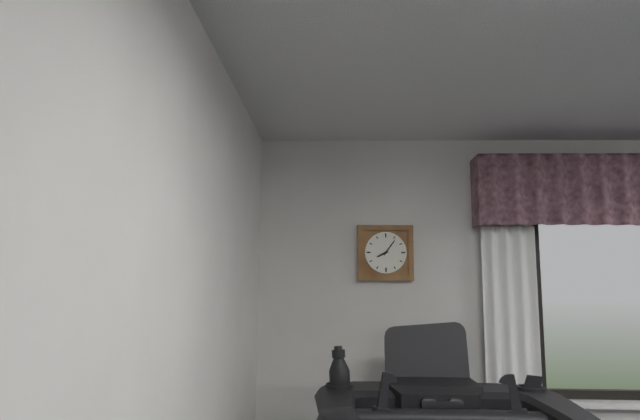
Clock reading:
**8:06**
